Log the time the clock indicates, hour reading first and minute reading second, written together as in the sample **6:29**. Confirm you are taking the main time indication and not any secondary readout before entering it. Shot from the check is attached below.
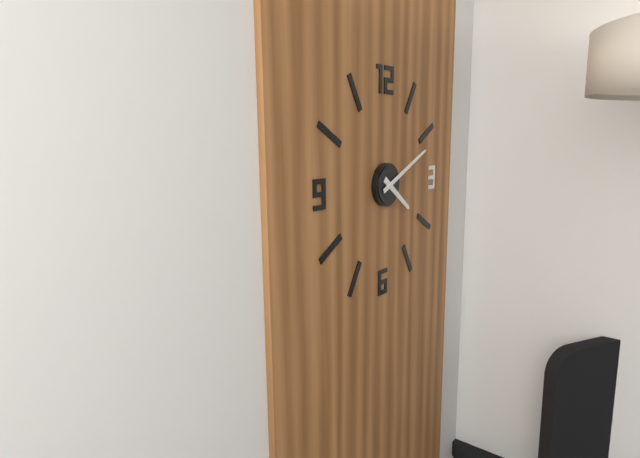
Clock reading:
**4:11**
